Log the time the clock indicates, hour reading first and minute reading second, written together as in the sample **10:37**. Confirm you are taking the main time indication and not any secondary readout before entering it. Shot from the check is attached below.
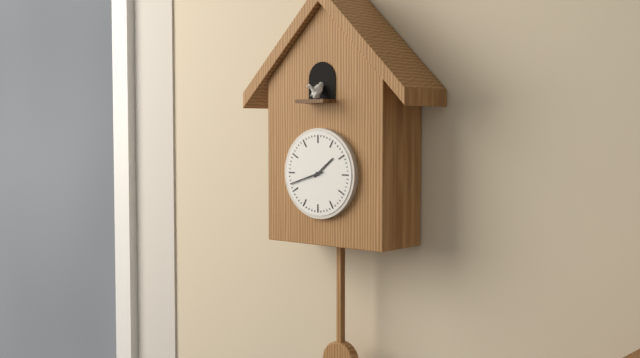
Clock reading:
**1:42**
